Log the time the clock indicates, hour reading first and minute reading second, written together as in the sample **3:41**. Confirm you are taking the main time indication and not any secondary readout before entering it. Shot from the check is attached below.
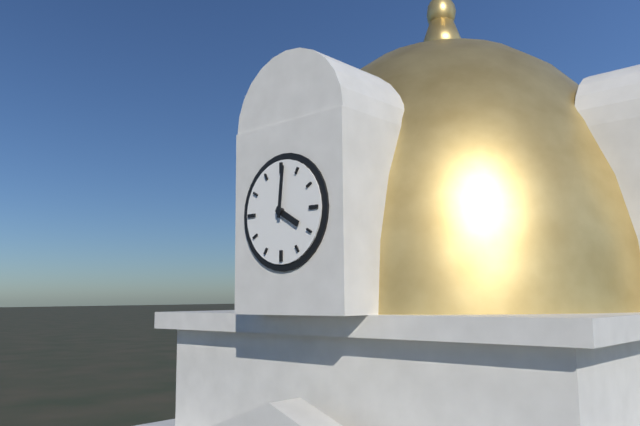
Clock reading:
**4:01**
